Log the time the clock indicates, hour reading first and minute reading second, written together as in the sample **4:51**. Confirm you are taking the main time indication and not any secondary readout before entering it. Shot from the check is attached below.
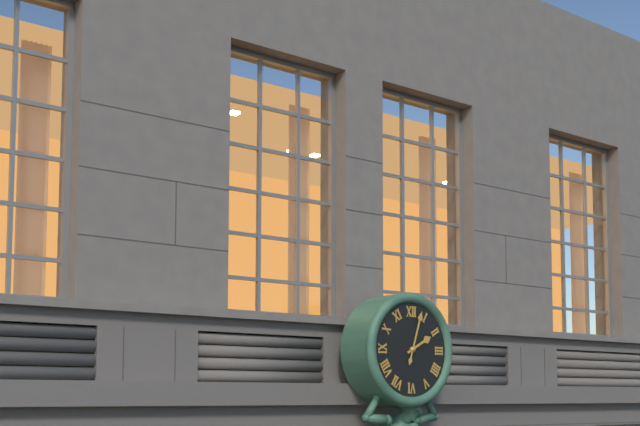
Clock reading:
**2:03**
